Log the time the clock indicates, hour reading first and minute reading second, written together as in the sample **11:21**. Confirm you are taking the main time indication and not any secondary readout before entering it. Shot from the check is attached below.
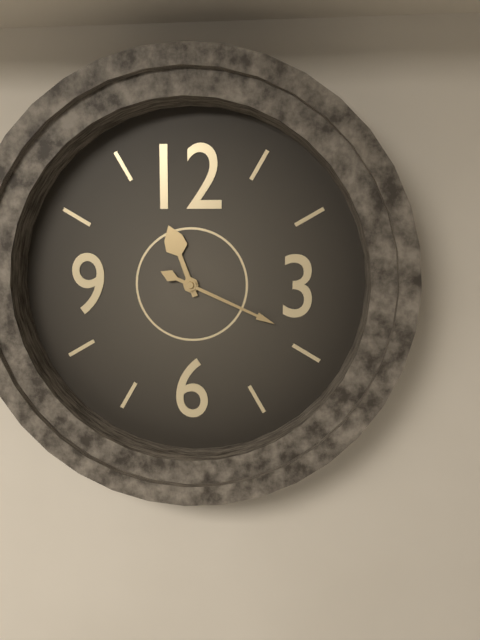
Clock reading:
**11:19**
